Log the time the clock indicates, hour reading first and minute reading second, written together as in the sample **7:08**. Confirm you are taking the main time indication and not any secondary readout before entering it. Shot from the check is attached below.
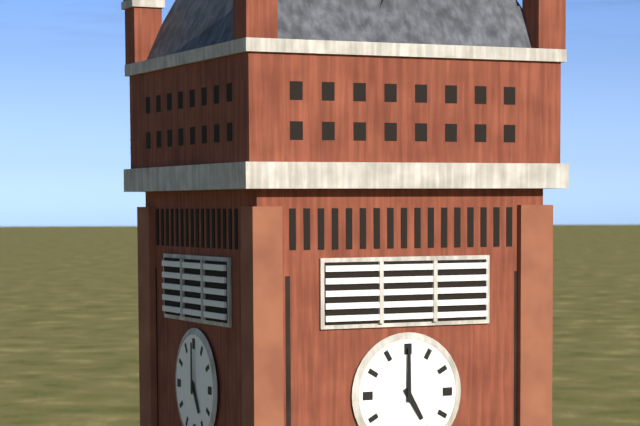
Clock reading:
**5:00**
